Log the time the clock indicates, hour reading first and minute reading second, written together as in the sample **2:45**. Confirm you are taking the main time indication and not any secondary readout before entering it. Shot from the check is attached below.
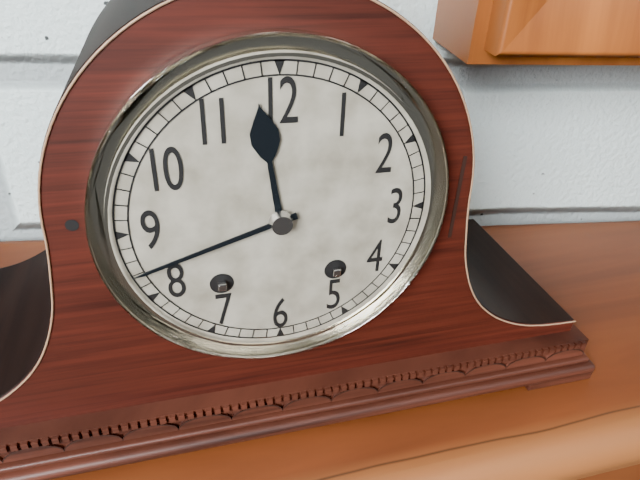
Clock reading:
**11:42**
